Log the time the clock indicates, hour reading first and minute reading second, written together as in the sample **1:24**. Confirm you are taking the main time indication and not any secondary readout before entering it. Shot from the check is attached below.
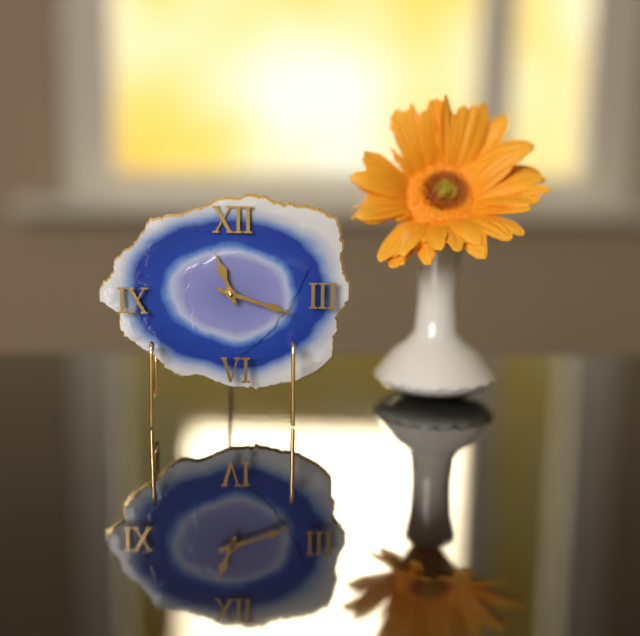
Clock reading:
**11:18**
